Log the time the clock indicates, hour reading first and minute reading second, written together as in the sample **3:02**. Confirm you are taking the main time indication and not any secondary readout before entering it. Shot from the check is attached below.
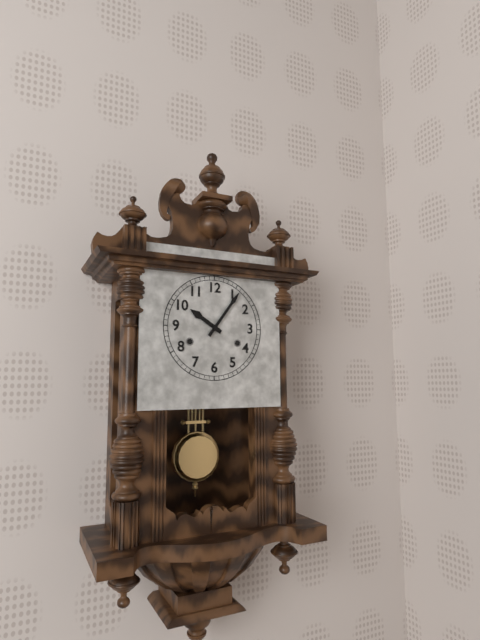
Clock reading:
**10:06**
